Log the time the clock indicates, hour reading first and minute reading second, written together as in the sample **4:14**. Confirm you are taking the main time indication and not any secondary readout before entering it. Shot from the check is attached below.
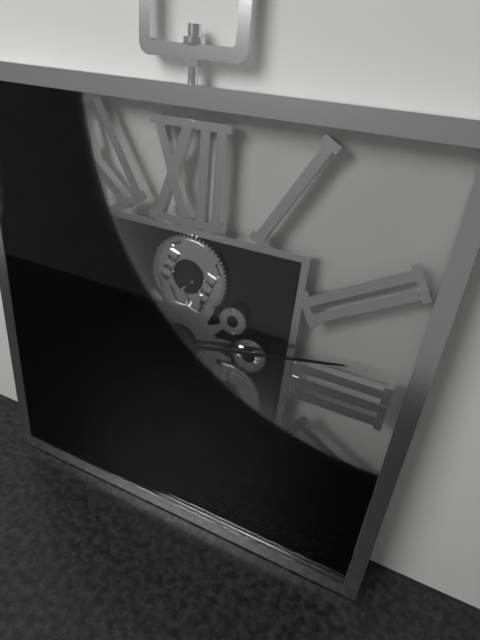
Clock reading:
**9:13**
